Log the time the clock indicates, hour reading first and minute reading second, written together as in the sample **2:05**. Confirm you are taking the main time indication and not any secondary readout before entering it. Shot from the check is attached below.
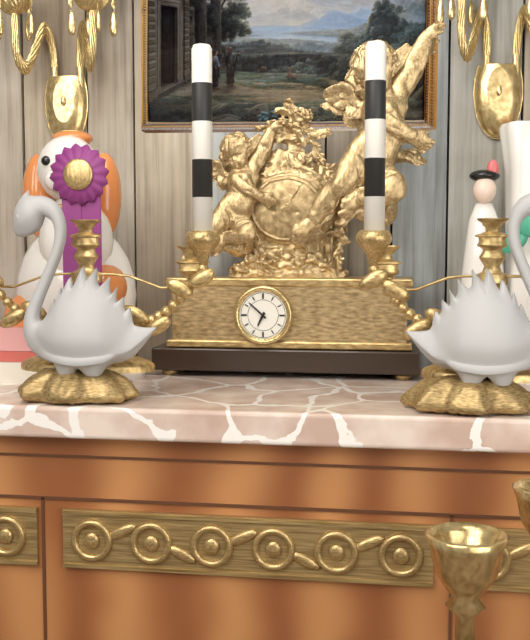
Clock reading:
**6:52**
